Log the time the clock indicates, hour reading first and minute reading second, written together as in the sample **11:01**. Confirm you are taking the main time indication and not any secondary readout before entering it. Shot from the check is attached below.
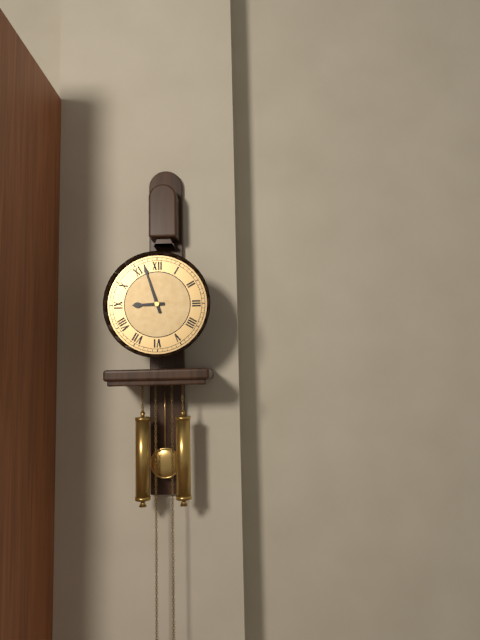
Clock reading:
**8:57**
